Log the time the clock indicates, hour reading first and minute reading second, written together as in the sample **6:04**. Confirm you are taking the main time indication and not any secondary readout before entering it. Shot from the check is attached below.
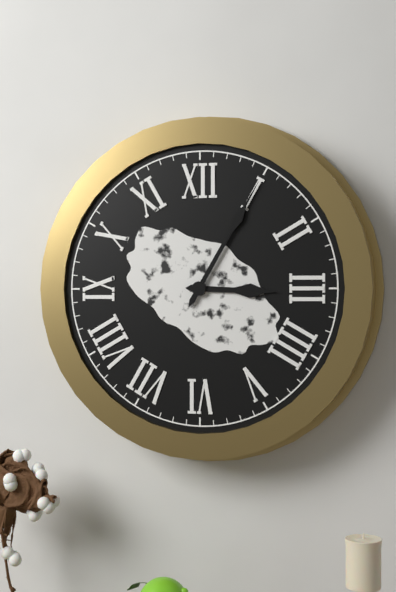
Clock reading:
**3:05**
